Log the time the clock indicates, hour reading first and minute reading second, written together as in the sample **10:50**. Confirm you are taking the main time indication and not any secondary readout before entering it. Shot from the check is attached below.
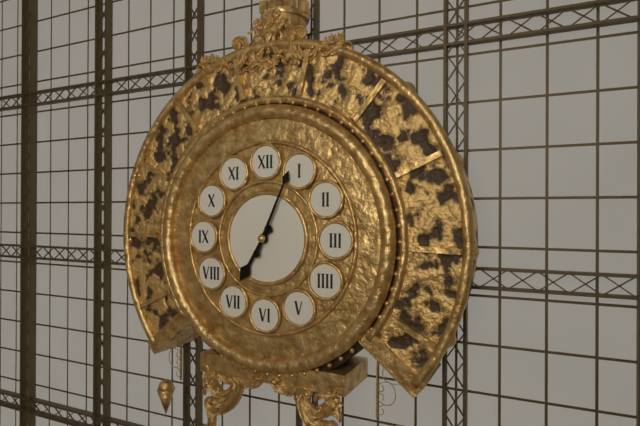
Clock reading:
**7:04**
